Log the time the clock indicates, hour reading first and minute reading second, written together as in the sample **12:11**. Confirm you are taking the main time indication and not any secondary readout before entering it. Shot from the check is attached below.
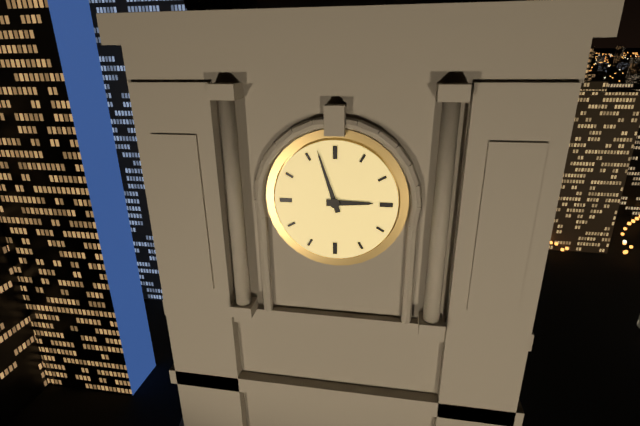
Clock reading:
**2:57**
